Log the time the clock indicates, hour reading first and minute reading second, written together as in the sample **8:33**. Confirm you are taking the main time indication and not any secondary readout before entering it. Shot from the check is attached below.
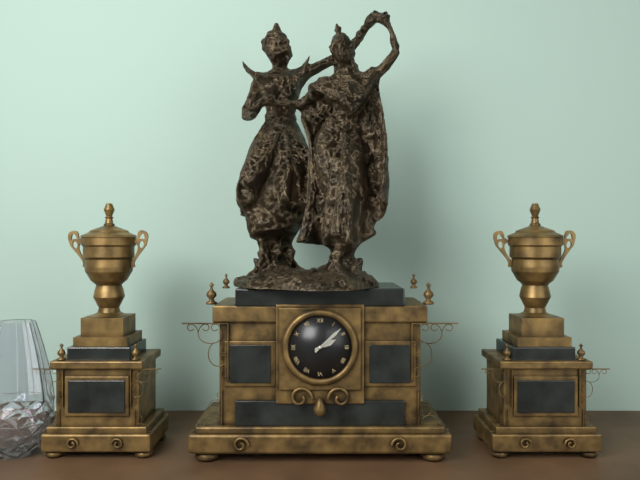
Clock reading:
**2:08**
